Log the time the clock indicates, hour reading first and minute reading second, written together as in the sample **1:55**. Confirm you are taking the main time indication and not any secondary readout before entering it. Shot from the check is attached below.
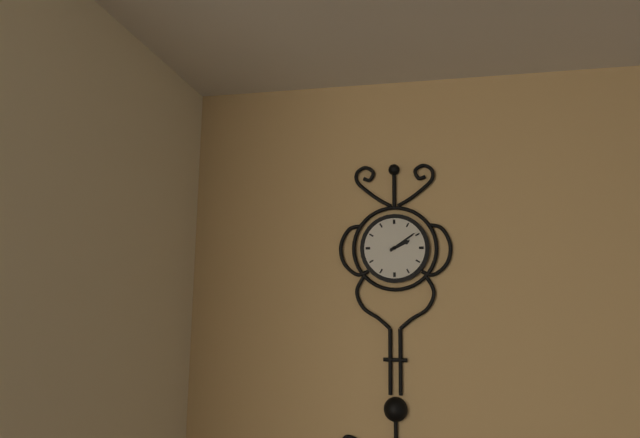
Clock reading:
**2:09**
